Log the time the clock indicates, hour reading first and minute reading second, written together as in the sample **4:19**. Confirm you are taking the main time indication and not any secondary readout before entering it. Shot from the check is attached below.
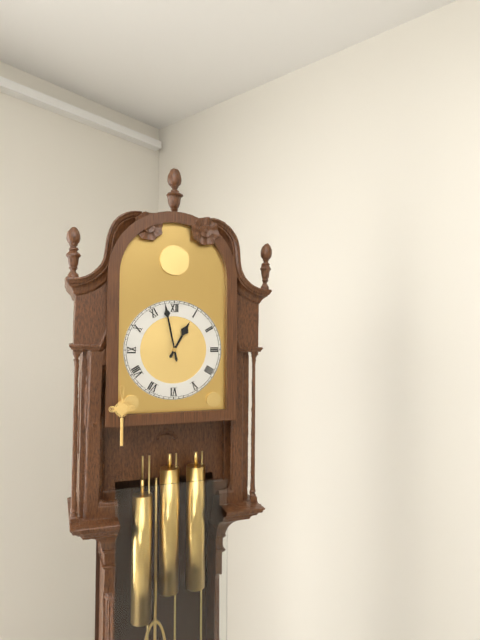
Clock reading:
**12:58**
